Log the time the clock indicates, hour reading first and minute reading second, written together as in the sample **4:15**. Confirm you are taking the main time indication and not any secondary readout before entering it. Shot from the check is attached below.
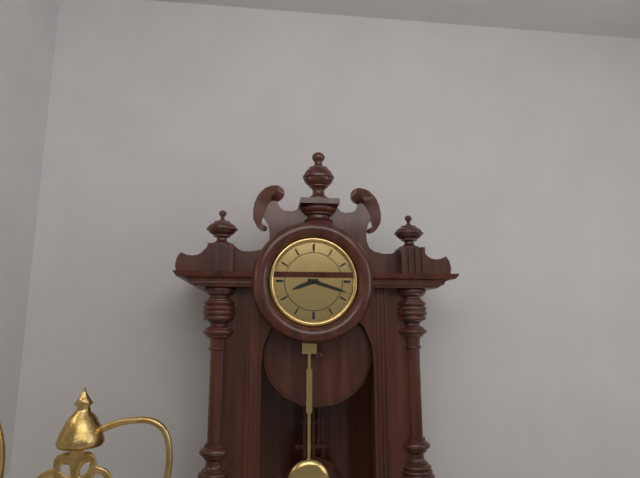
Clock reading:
**8:18**
